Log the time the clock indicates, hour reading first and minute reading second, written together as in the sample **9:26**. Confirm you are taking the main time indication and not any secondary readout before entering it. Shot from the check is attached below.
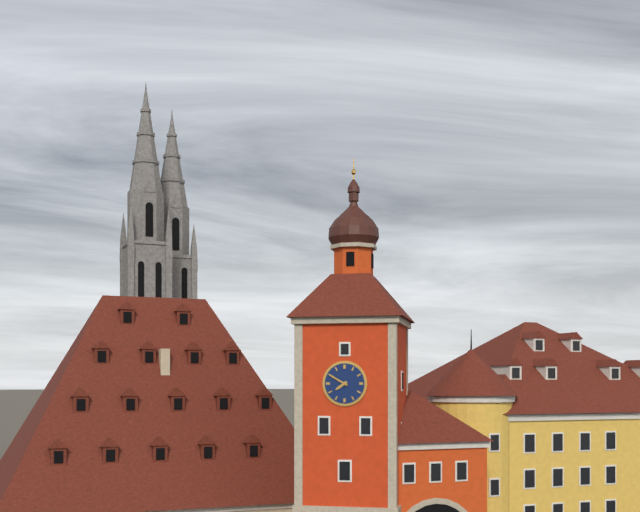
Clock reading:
**7:50**
